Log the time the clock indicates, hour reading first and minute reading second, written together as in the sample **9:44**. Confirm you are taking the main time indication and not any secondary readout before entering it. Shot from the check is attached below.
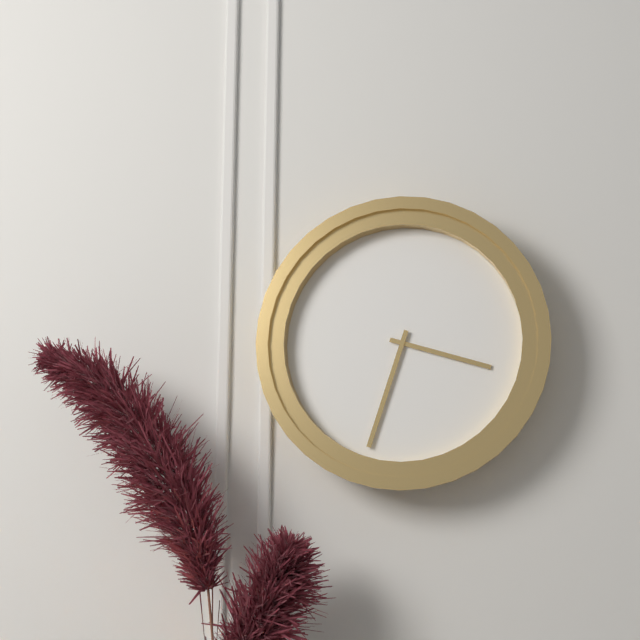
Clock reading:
**3:33**
